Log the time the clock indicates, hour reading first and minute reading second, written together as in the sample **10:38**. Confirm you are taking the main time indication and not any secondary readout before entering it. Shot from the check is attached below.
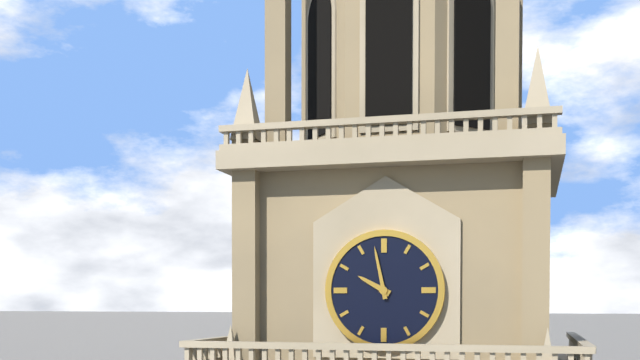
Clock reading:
**9:58**
